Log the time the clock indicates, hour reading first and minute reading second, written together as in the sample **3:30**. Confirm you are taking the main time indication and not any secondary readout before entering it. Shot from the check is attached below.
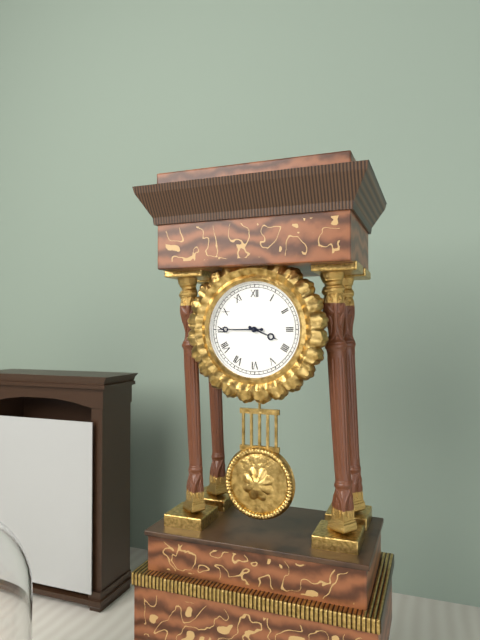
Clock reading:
**3:45**
